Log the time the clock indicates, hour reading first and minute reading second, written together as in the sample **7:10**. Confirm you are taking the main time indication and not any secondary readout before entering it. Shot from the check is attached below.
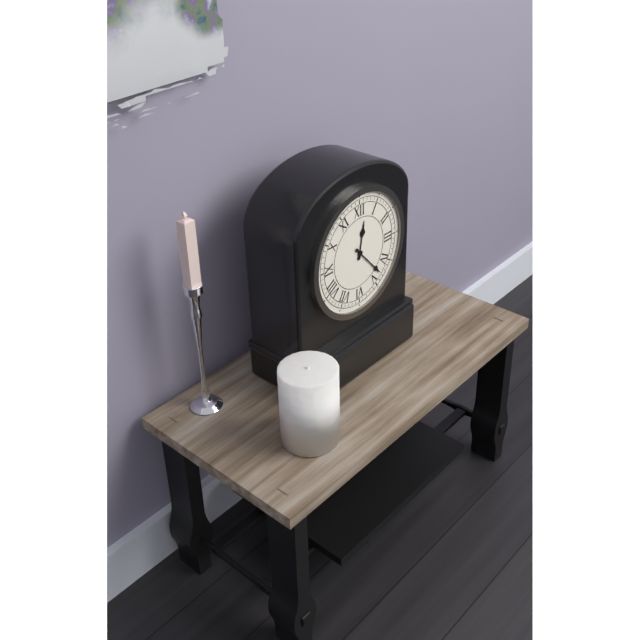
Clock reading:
**12:23**
